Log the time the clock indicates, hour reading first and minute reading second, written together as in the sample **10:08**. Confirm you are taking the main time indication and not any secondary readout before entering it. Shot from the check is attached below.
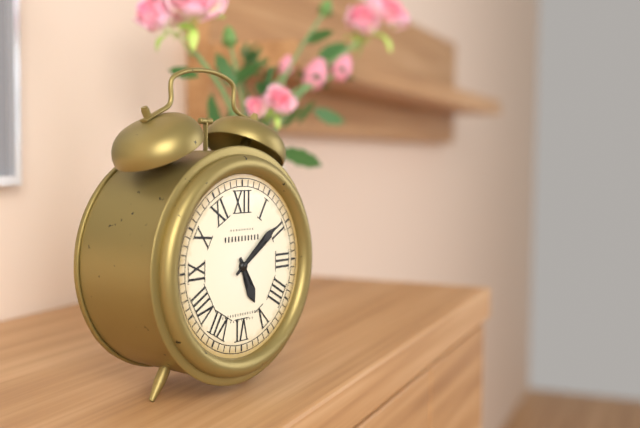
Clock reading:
**5:09**
